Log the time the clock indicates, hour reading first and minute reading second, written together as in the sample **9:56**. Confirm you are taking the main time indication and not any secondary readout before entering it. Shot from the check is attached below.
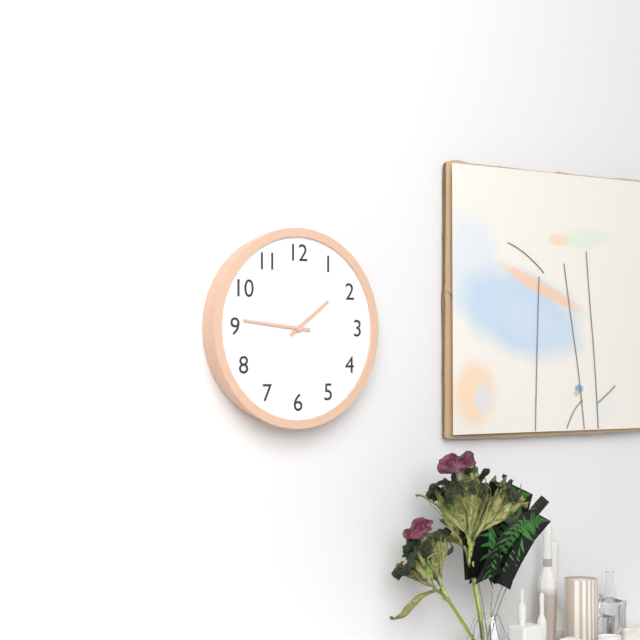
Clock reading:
**1:46**
